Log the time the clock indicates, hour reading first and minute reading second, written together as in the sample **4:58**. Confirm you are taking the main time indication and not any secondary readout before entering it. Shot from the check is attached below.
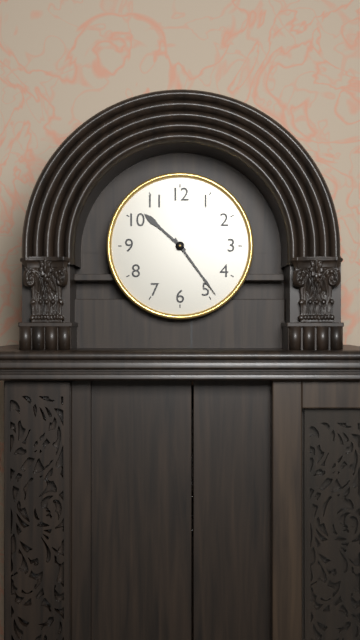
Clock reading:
**10:24**
